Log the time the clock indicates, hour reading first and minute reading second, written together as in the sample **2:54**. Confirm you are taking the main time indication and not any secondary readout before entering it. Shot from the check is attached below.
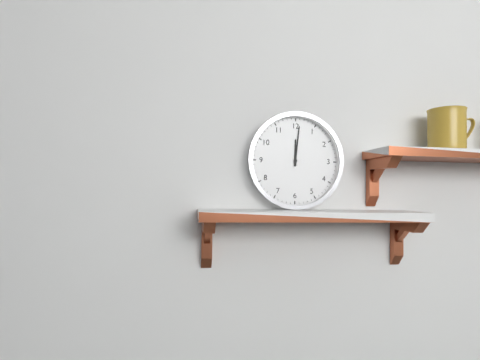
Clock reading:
**12:01**
